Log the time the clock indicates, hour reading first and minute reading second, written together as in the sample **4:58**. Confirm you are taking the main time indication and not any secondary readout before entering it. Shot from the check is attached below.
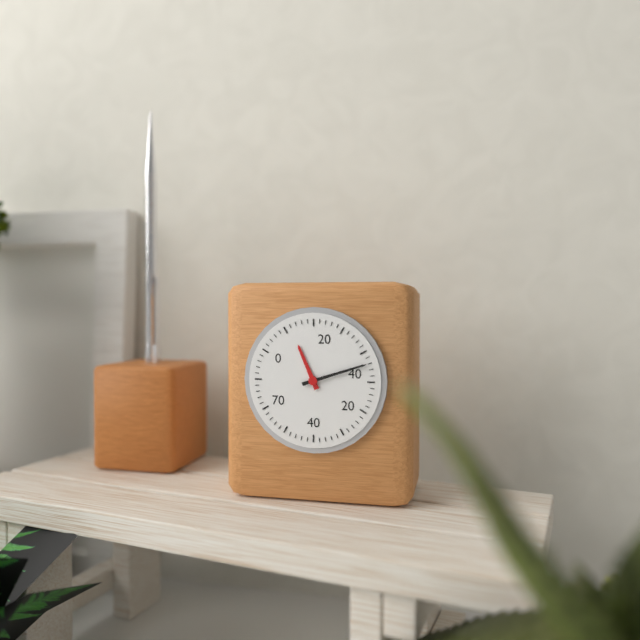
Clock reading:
**11:12**
